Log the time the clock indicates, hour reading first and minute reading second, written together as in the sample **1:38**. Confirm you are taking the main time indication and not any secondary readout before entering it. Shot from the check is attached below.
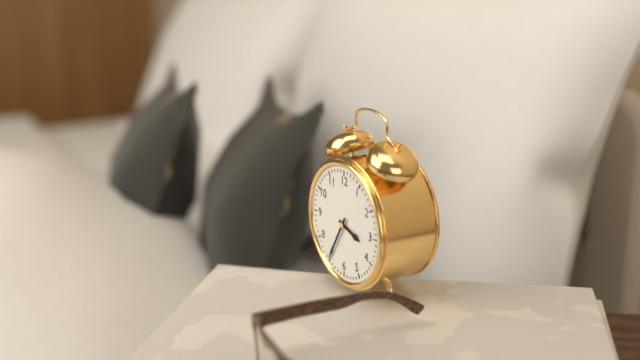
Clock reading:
**3:35**
